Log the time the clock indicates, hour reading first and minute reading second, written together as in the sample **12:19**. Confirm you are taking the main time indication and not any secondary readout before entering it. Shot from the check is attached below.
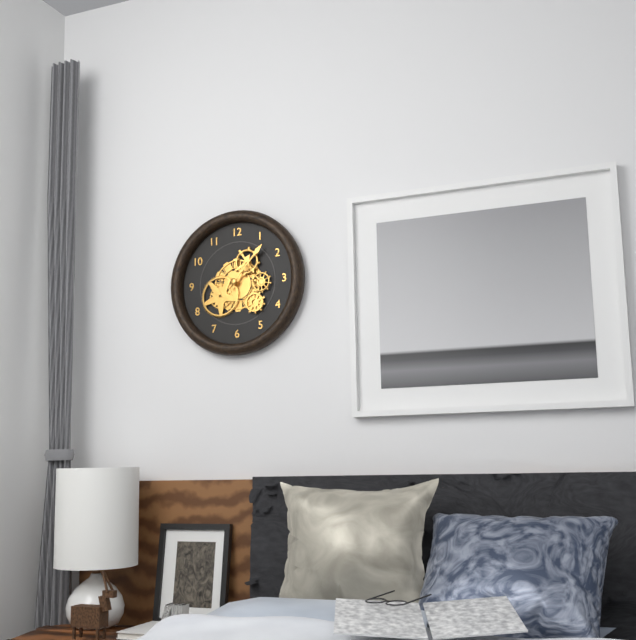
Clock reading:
**1:07**
